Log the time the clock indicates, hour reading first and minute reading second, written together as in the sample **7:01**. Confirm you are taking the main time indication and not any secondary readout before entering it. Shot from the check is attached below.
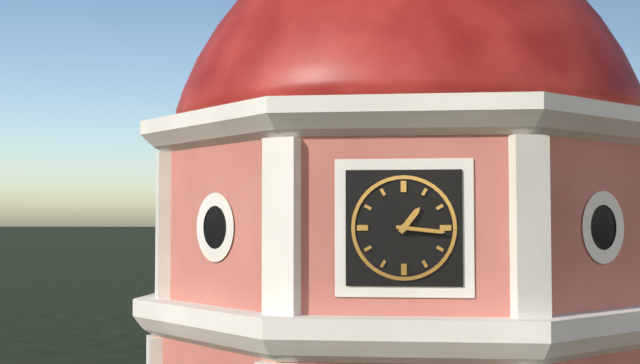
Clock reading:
**1:16**
